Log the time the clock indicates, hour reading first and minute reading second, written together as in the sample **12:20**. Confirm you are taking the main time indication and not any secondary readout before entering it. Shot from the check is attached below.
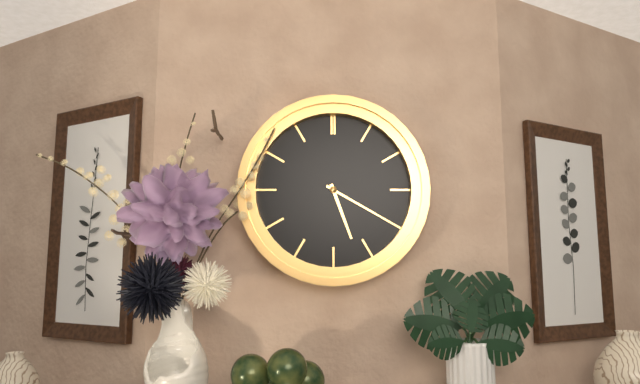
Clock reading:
**5:20**
